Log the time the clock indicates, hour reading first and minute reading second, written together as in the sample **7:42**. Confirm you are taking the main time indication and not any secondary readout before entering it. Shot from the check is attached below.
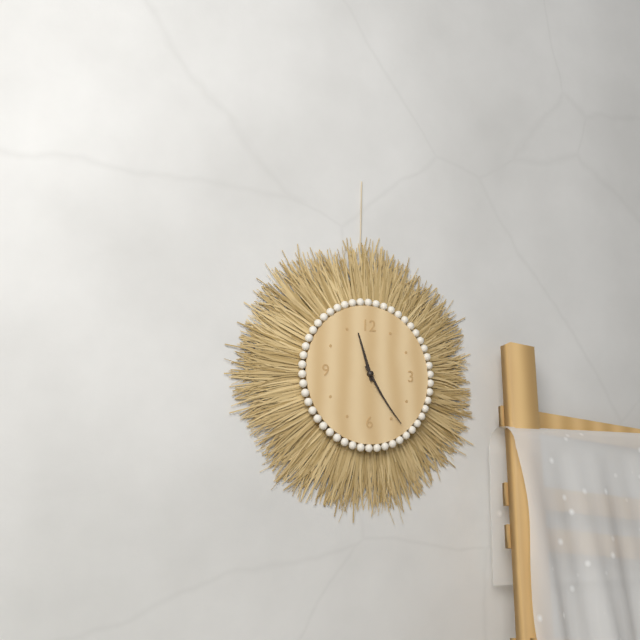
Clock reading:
**11:24**
